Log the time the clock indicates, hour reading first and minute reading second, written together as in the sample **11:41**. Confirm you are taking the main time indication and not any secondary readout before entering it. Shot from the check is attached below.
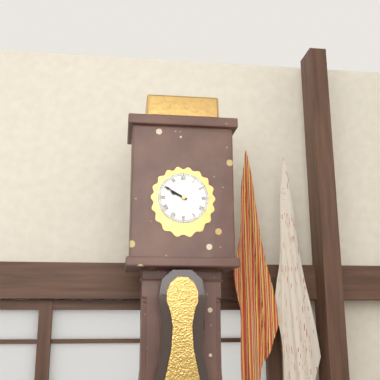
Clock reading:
**9:50**
